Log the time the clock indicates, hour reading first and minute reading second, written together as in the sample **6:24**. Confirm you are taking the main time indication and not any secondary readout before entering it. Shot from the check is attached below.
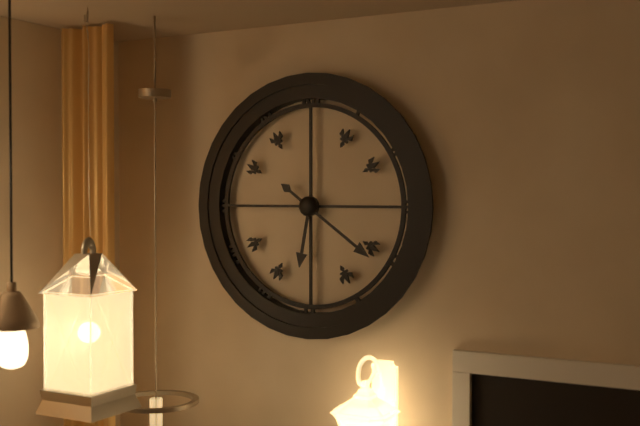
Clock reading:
**6:21**
